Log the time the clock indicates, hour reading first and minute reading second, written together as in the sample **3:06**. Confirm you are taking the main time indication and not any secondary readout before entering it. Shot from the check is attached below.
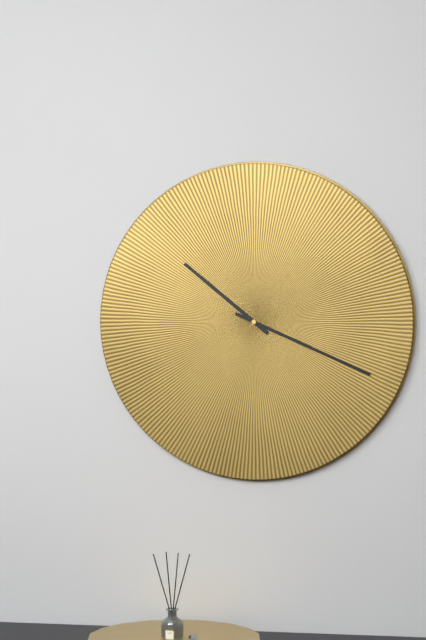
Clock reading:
**10:19**
